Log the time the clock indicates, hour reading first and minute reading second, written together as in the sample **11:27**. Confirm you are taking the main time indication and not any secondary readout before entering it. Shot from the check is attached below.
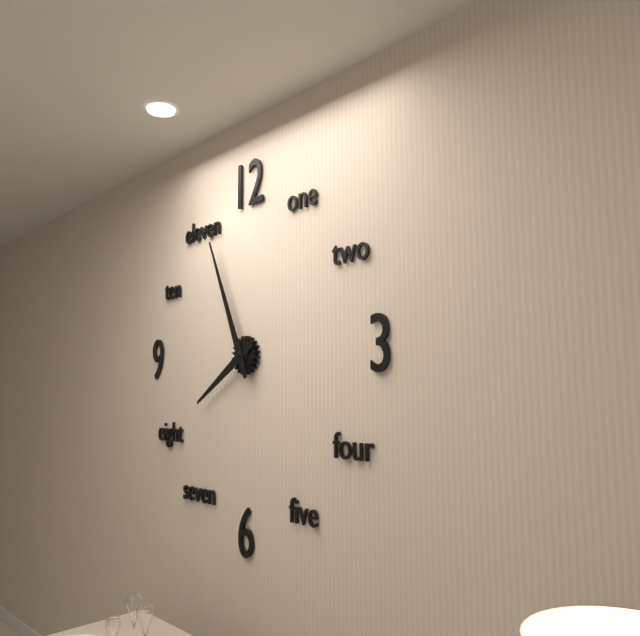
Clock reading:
**7:56**
